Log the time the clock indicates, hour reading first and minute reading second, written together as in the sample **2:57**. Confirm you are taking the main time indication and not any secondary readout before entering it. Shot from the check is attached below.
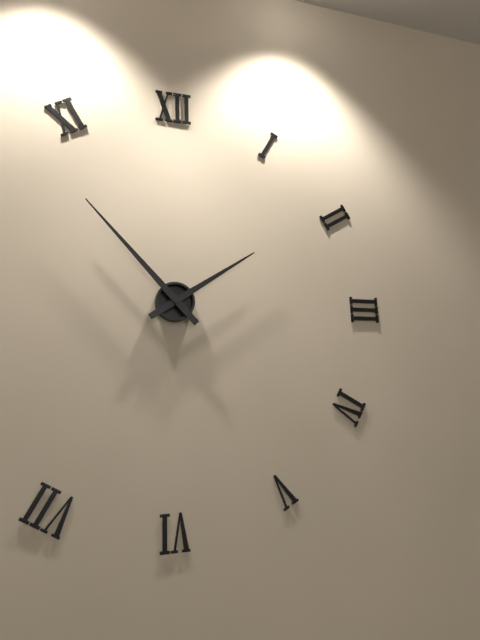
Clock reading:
**1:53**
